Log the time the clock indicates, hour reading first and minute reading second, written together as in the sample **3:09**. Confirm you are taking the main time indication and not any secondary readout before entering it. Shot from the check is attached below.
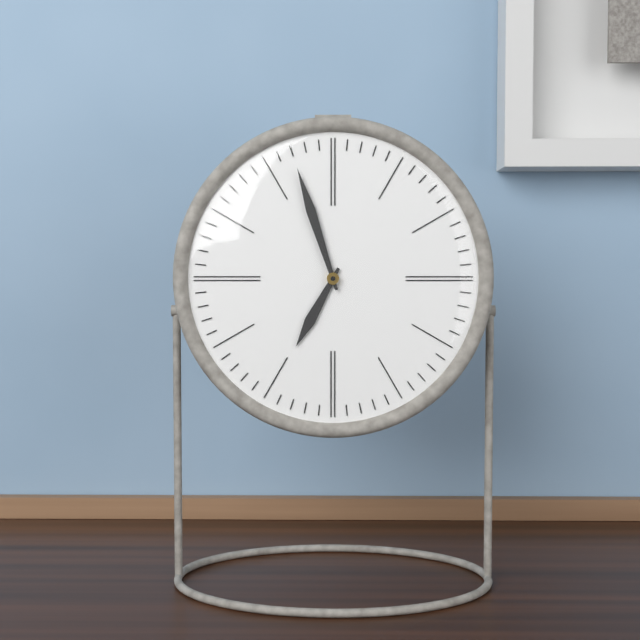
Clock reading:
**6:57**
